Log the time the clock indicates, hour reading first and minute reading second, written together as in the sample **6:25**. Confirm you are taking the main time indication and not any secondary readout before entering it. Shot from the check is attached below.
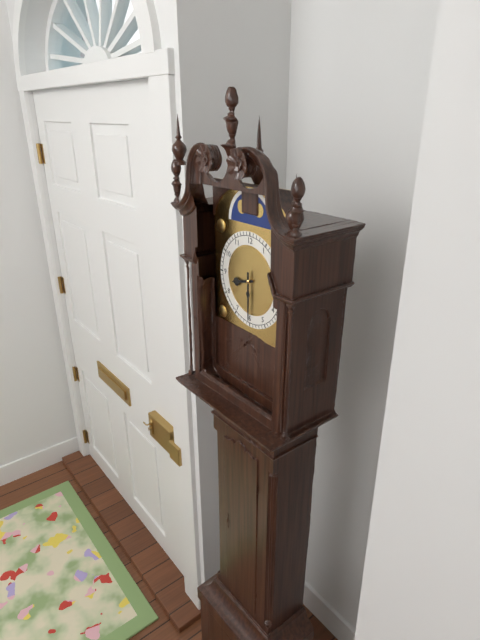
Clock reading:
**8:30**
